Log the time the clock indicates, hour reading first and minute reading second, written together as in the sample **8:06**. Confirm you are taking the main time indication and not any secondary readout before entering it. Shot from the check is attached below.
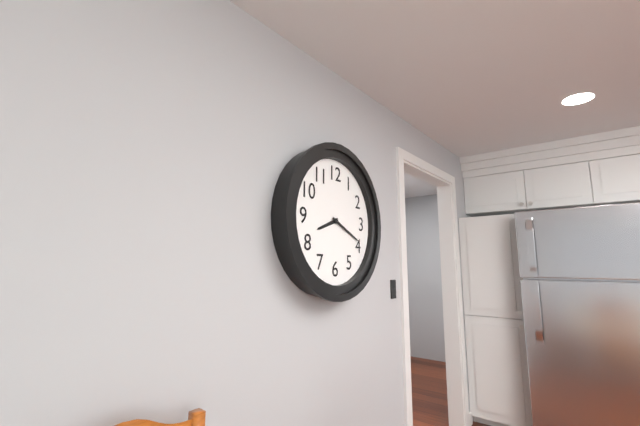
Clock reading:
**8:19**
